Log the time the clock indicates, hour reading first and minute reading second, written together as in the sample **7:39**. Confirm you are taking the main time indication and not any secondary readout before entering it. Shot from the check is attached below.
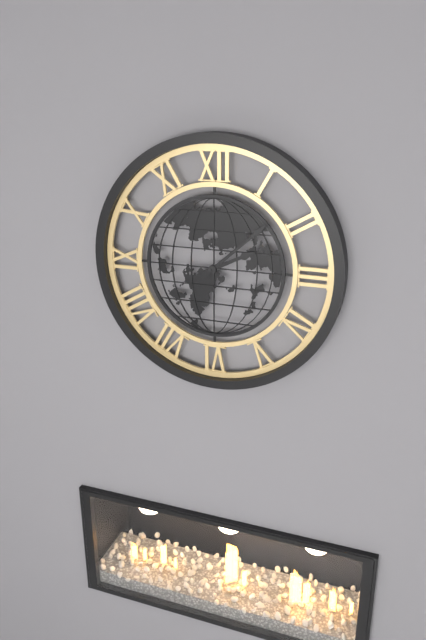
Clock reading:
**2:08**
